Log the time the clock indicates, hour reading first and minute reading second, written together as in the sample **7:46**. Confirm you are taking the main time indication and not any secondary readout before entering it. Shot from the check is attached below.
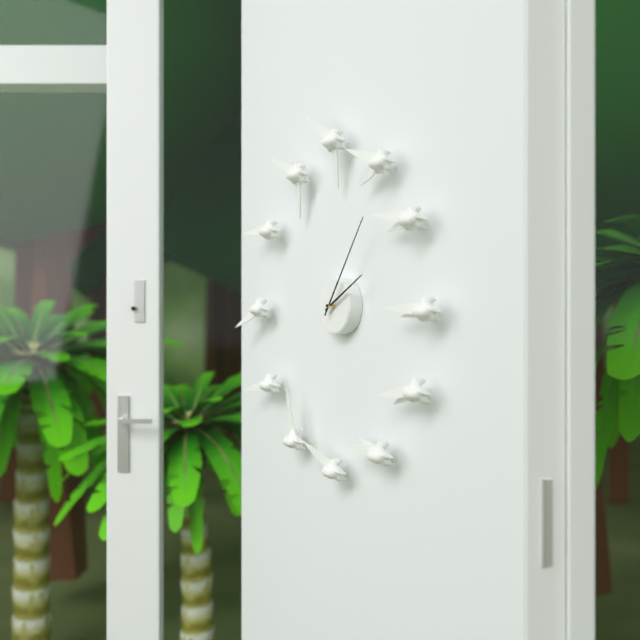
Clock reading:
**2:06**
